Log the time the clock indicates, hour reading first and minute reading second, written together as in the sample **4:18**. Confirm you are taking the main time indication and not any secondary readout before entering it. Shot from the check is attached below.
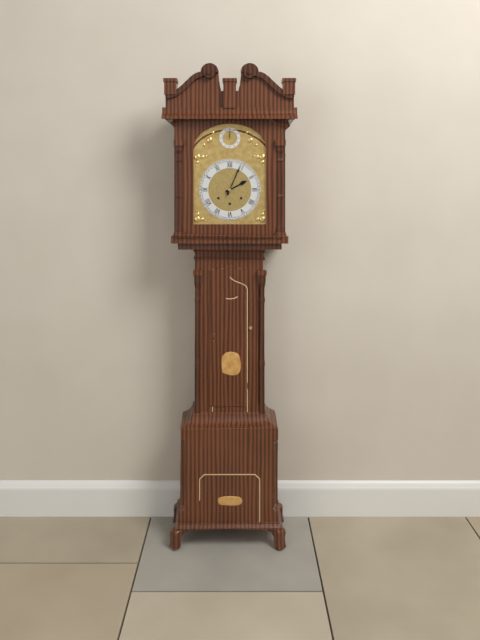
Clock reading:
**2:04**
